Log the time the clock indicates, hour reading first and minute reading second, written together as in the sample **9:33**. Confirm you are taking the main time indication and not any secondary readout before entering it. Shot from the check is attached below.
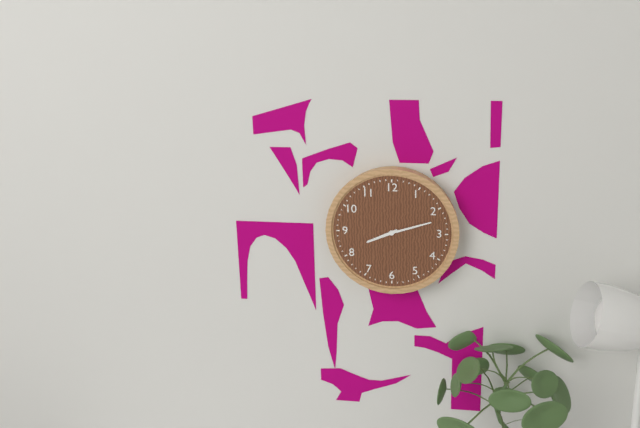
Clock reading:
**8:12**
